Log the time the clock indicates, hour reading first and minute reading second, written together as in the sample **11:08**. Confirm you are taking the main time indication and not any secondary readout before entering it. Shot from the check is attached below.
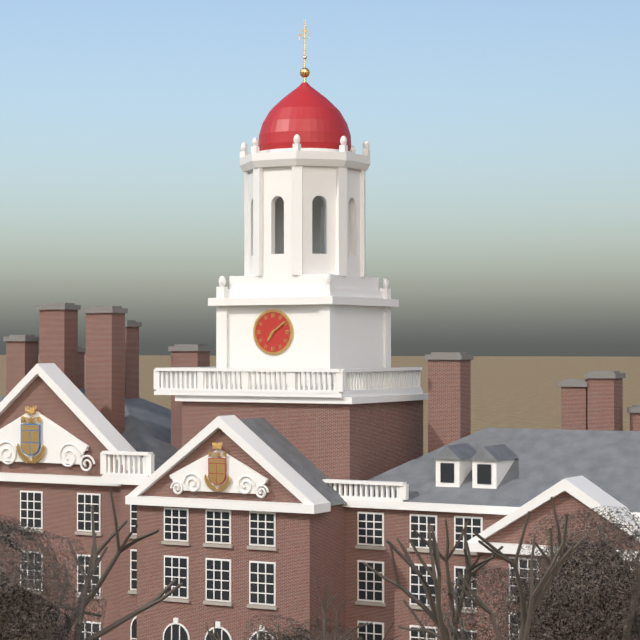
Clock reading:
**7:09**
